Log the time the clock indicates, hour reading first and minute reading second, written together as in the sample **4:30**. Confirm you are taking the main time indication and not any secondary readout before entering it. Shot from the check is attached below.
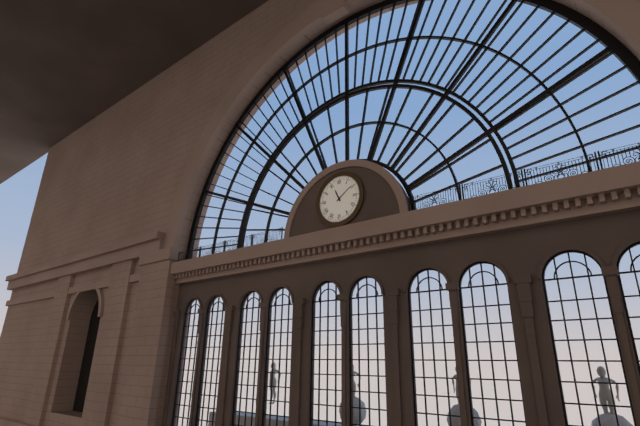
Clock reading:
**11:09**
